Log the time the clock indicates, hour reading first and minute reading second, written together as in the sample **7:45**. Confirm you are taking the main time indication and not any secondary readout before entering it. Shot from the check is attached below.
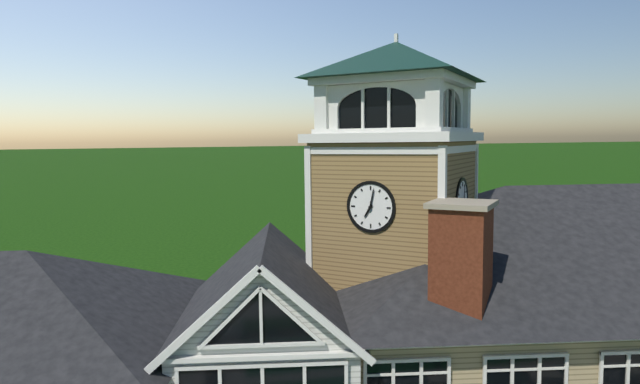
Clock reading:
**7:02**
